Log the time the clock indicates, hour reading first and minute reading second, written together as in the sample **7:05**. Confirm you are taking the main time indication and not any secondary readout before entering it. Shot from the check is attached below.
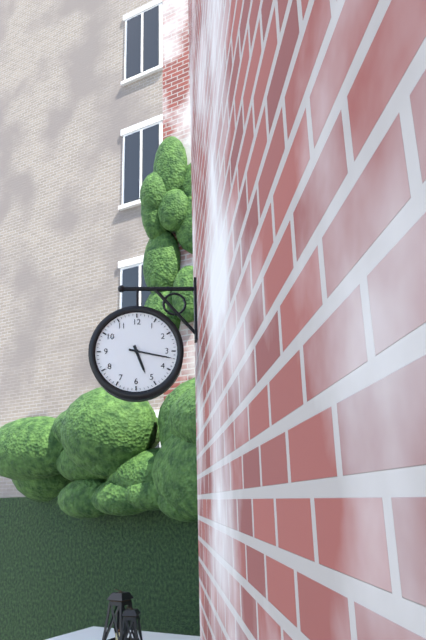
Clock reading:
**5:17**
